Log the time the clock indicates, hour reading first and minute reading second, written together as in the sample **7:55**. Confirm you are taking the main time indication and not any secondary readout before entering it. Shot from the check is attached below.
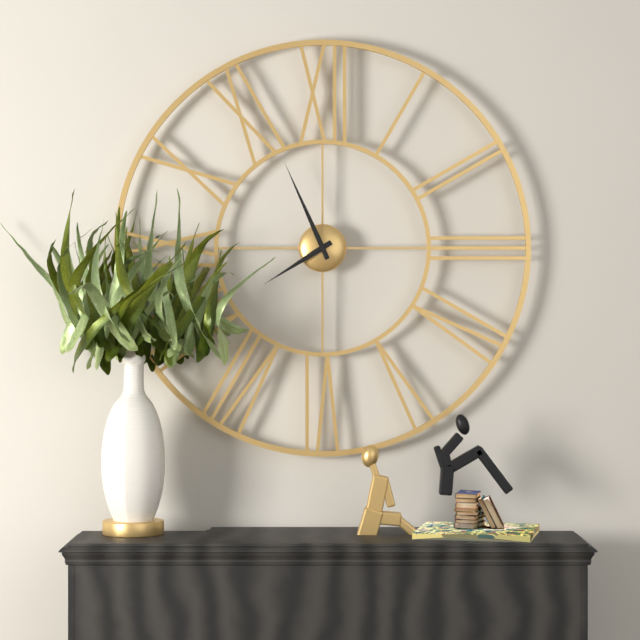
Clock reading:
**7:56**
